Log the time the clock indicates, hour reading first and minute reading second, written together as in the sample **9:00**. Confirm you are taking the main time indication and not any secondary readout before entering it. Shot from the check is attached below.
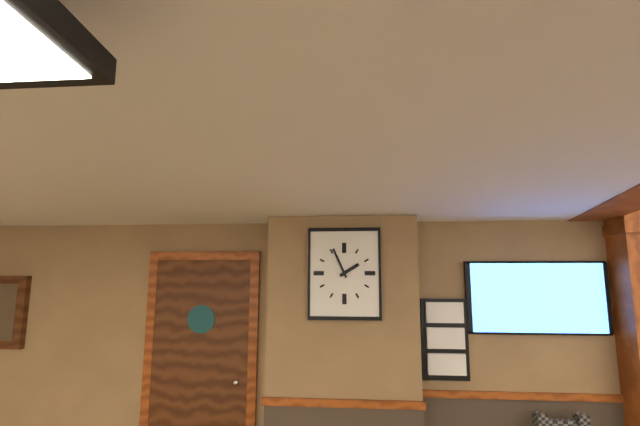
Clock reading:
**1:56**
